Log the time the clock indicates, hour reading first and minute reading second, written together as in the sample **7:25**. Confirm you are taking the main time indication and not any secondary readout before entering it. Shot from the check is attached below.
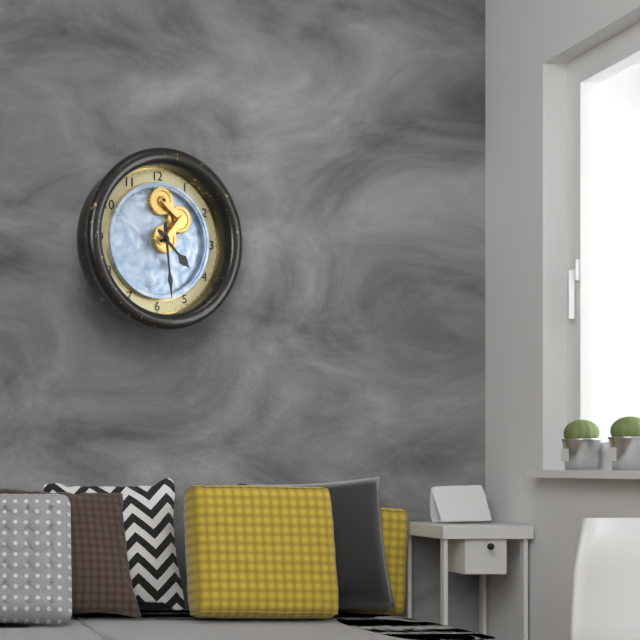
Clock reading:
**4:29**
